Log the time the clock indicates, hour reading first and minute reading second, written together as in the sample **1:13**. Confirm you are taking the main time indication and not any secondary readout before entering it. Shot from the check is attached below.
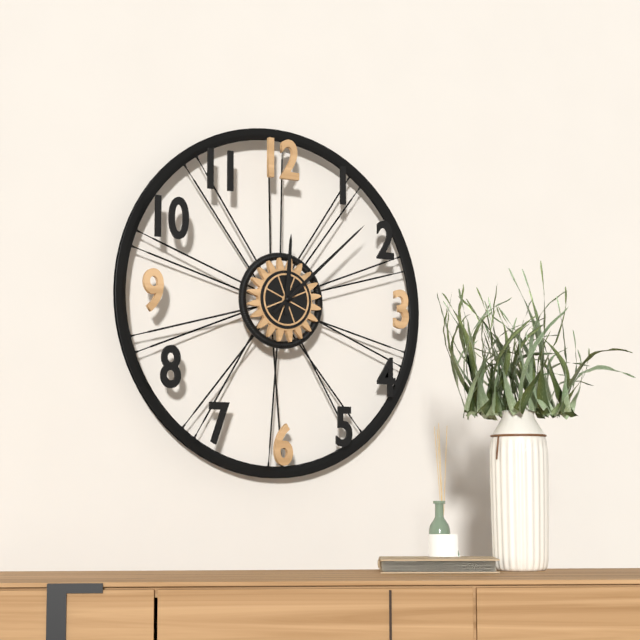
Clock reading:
**12:08**
